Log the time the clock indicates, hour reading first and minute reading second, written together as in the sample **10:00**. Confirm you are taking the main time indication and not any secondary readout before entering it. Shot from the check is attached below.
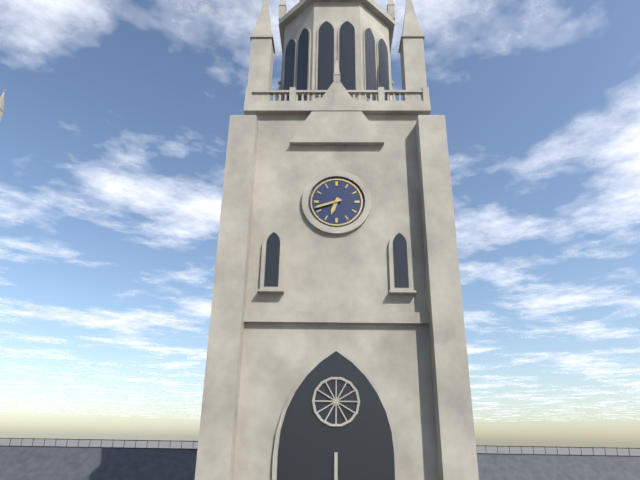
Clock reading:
**6:42**
